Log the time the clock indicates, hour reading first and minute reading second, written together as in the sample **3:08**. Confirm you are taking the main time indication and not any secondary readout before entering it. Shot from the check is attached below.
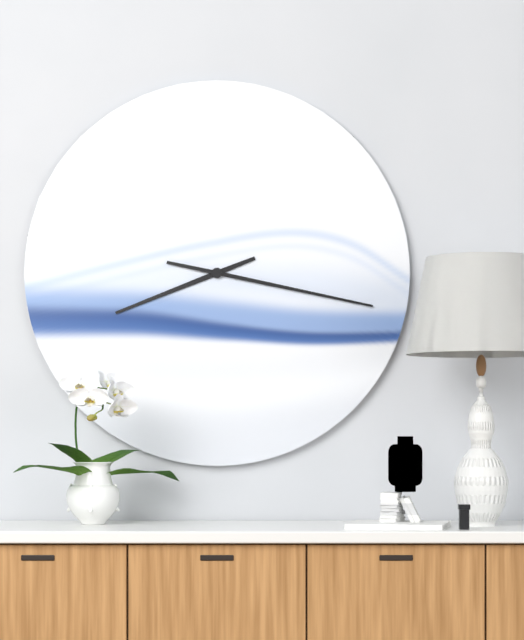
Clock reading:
**8:17**
